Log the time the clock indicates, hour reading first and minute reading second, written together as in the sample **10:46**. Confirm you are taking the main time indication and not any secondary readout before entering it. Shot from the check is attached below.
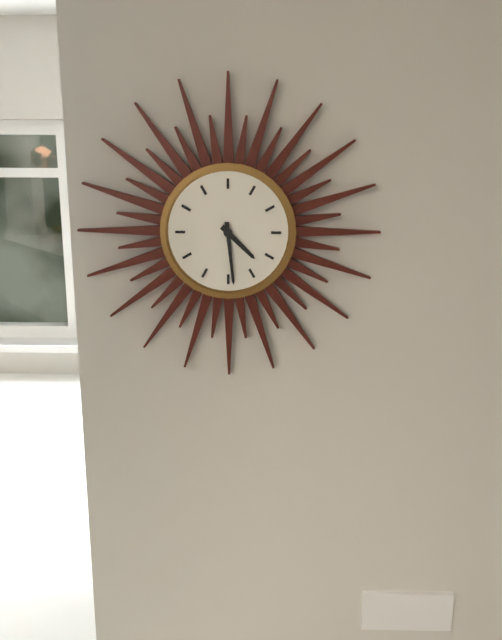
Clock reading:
**4:29**
